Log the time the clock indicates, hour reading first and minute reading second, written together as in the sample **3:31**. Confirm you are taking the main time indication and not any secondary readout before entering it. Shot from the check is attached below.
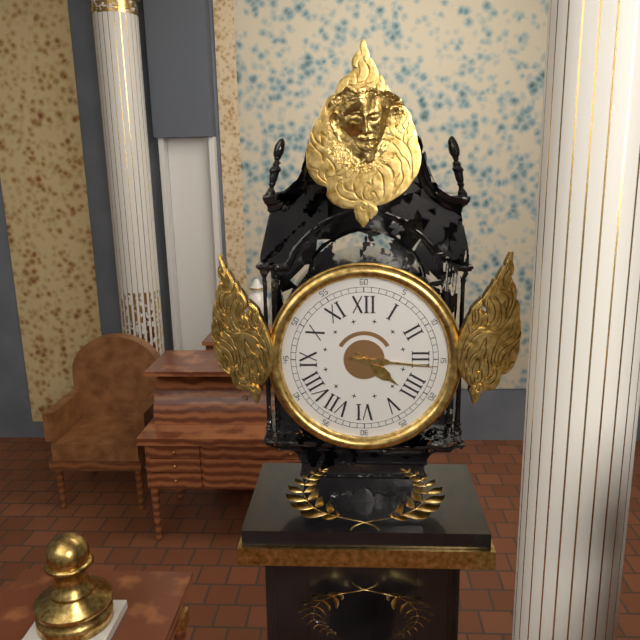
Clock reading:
**4:16**
